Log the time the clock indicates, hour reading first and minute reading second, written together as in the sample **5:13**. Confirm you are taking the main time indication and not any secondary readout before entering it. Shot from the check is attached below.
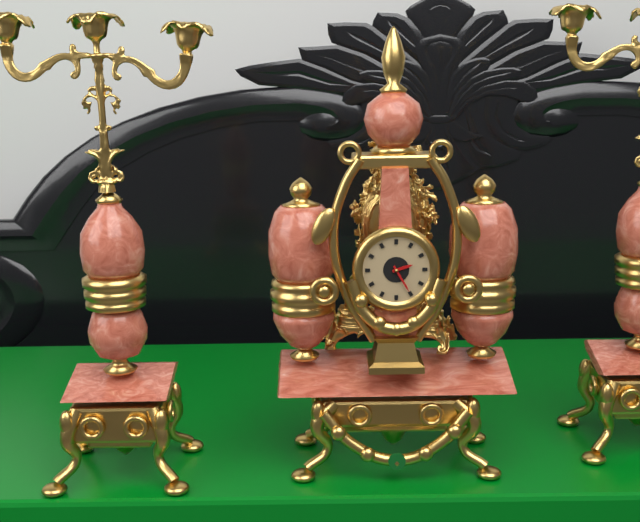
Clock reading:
**2:25**
